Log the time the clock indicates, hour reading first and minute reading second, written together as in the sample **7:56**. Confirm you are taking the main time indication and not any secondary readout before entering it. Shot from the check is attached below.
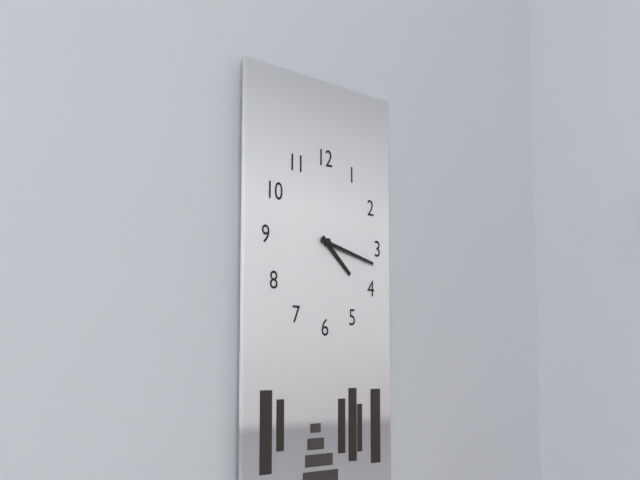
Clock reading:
**4:17**
